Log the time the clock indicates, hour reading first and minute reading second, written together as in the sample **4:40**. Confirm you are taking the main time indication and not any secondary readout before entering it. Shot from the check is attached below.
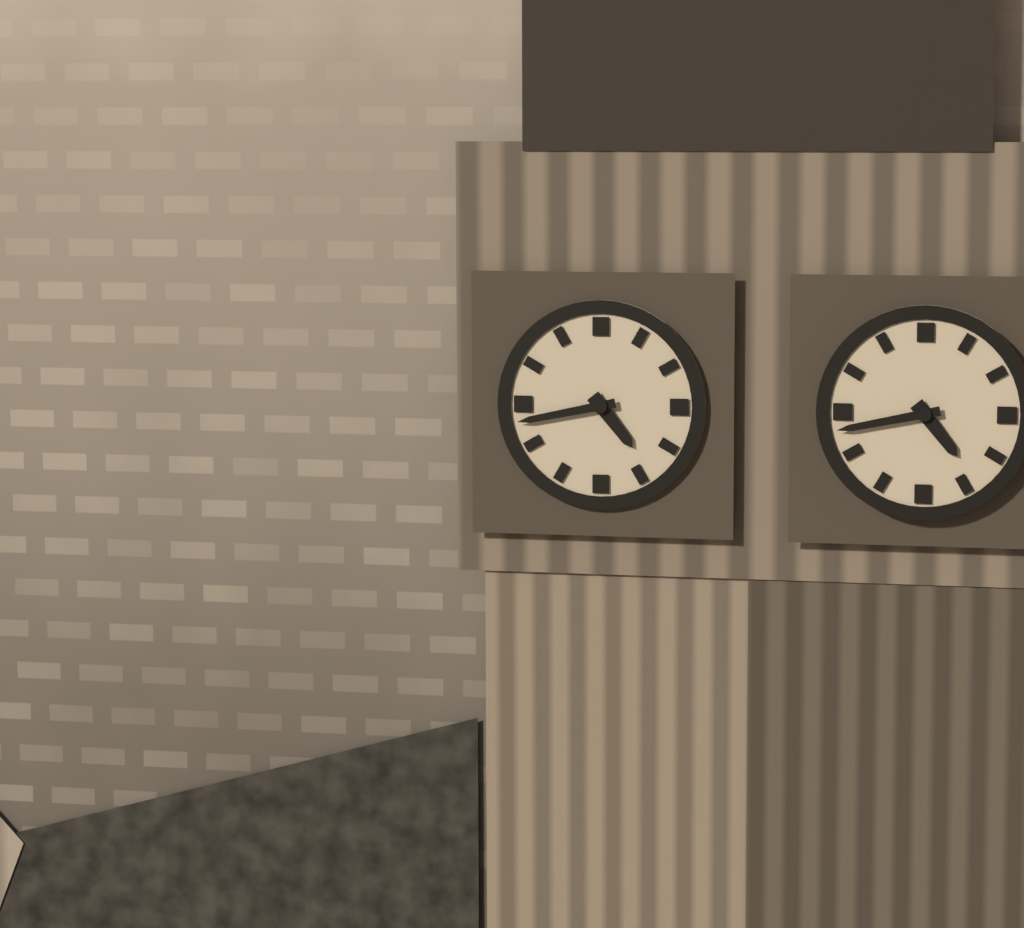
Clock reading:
**4:43**
